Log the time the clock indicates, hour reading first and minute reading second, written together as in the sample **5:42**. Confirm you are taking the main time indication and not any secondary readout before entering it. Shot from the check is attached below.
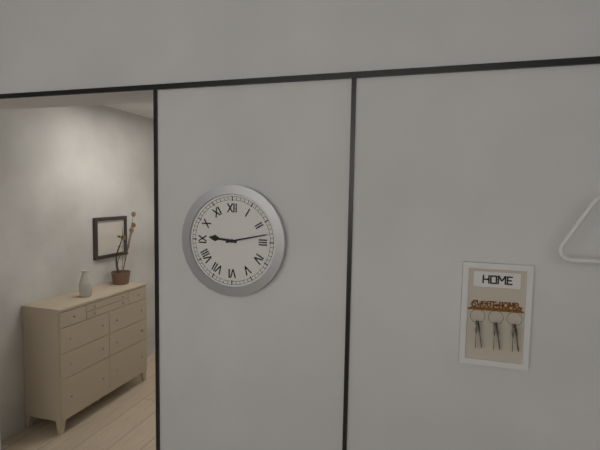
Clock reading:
**9:13**
